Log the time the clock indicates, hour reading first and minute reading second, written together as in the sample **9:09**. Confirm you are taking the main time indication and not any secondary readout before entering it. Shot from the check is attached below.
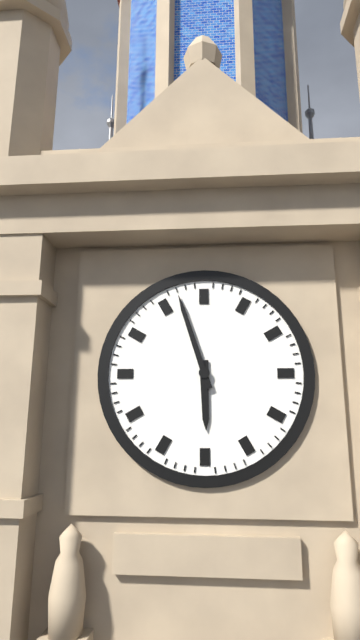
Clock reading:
**5:57**
